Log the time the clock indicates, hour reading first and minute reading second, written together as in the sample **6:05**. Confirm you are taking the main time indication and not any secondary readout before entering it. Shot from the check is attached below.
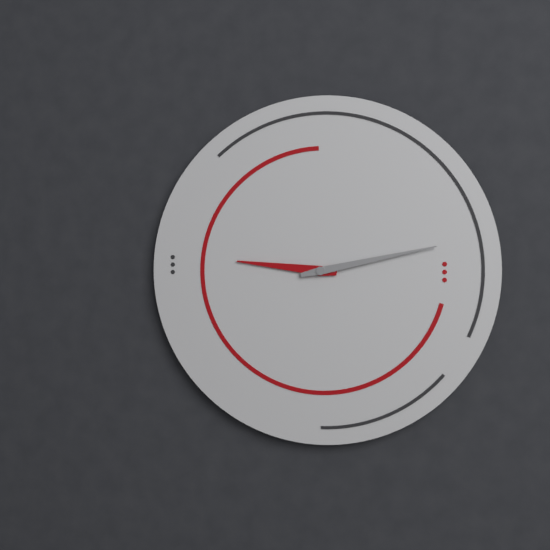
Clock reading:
**9:13**
